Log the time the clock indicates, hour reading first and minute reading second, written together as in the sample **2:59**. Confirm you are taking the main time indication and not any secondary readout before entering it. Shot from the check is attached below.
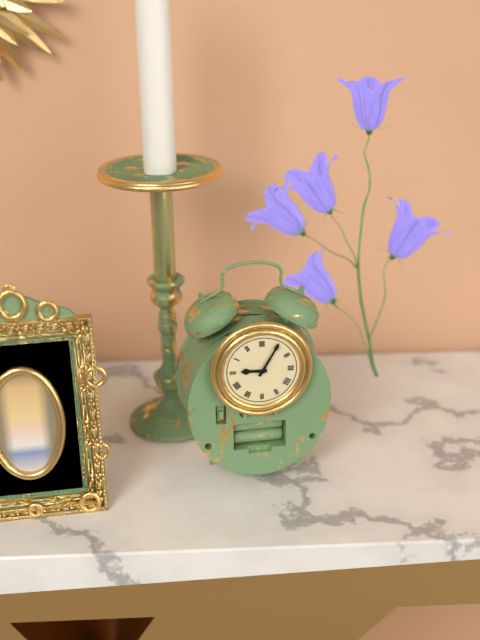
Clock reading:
**9:05**
